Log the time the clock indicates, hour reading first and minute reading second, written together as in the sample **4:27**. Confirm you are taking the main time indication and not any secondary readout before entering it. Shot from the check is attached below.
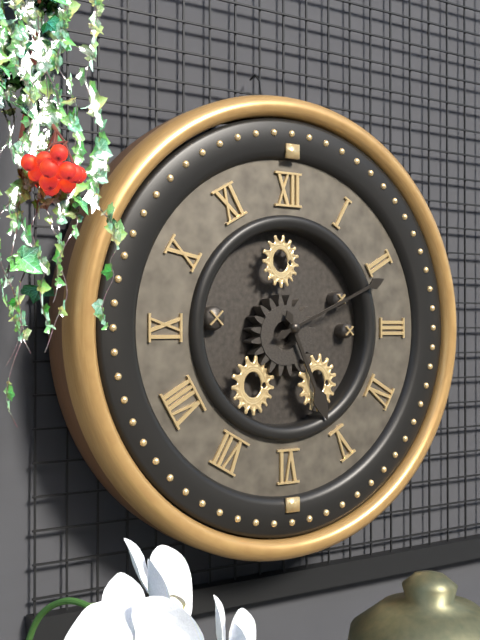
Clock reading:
**5:11**
